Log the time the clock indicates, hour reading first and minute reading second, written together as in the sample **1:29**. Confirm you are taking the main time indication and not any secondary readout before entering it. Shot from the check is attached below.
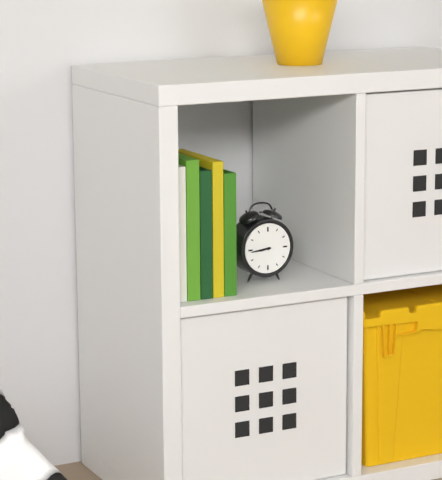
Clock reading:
**8:44**
